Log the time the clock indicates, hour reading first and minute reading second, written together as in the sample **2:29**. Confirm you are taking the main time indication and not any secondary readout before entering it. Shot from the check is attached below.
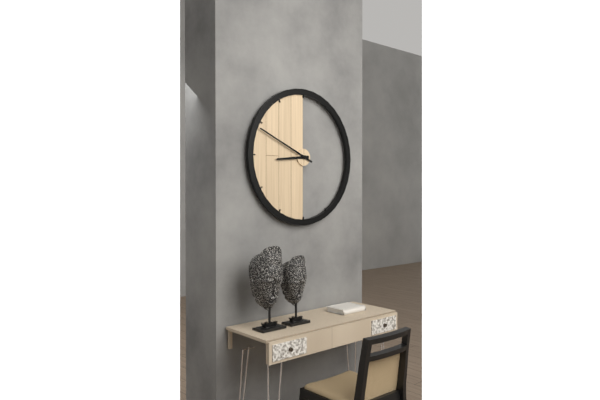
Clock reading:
**8:49**
